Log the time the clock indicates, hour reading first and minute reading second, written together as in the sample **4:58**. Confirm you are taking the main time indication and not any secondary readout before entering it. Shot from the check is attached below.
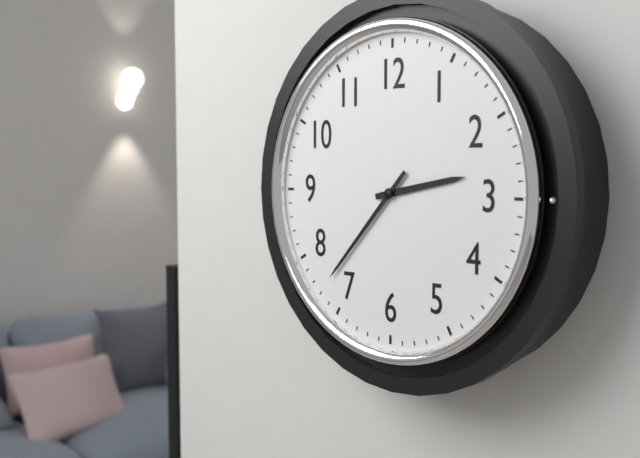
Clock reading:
**2:37**
